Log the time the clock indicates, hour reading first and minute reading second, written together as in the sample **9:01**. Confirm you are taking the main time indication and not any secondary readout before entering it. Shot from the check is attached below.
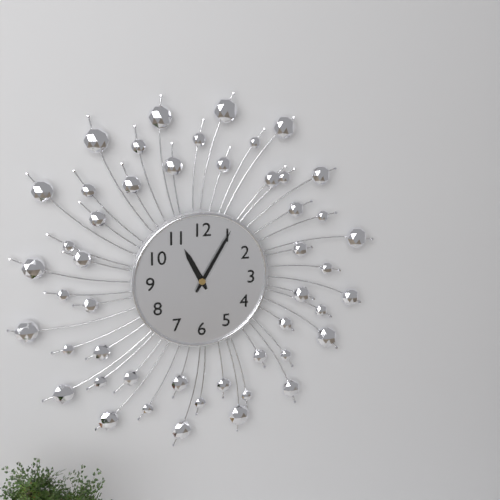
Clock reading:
**11:05**
